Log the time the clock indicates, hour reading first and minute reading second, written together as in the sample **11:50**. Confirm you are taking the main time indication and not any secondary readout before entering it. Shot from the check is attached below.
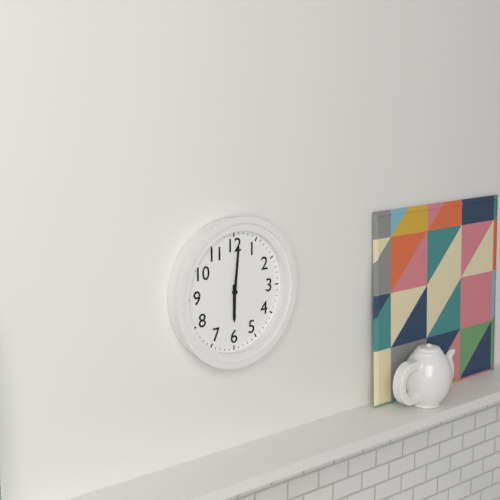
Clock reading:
**6:01**
